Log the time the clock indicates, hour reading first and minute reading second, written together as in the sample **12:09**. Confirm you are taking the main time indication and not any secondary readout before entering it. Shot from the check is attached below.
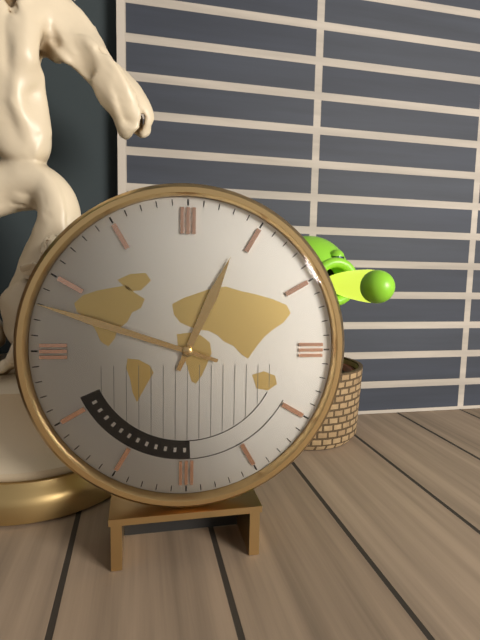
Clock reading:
**12:48**
